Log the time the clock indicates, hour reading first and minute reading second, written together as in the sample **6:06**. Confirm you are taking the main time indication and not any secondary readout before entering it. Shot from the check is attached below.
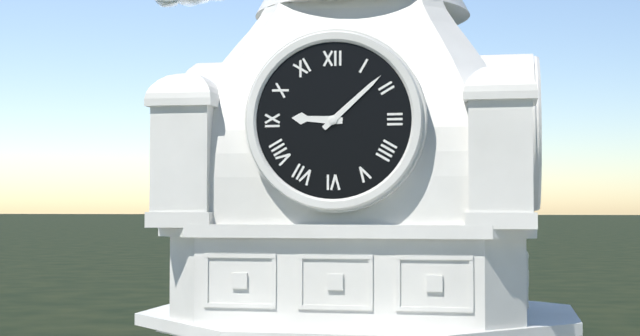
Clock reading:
**9:08**
